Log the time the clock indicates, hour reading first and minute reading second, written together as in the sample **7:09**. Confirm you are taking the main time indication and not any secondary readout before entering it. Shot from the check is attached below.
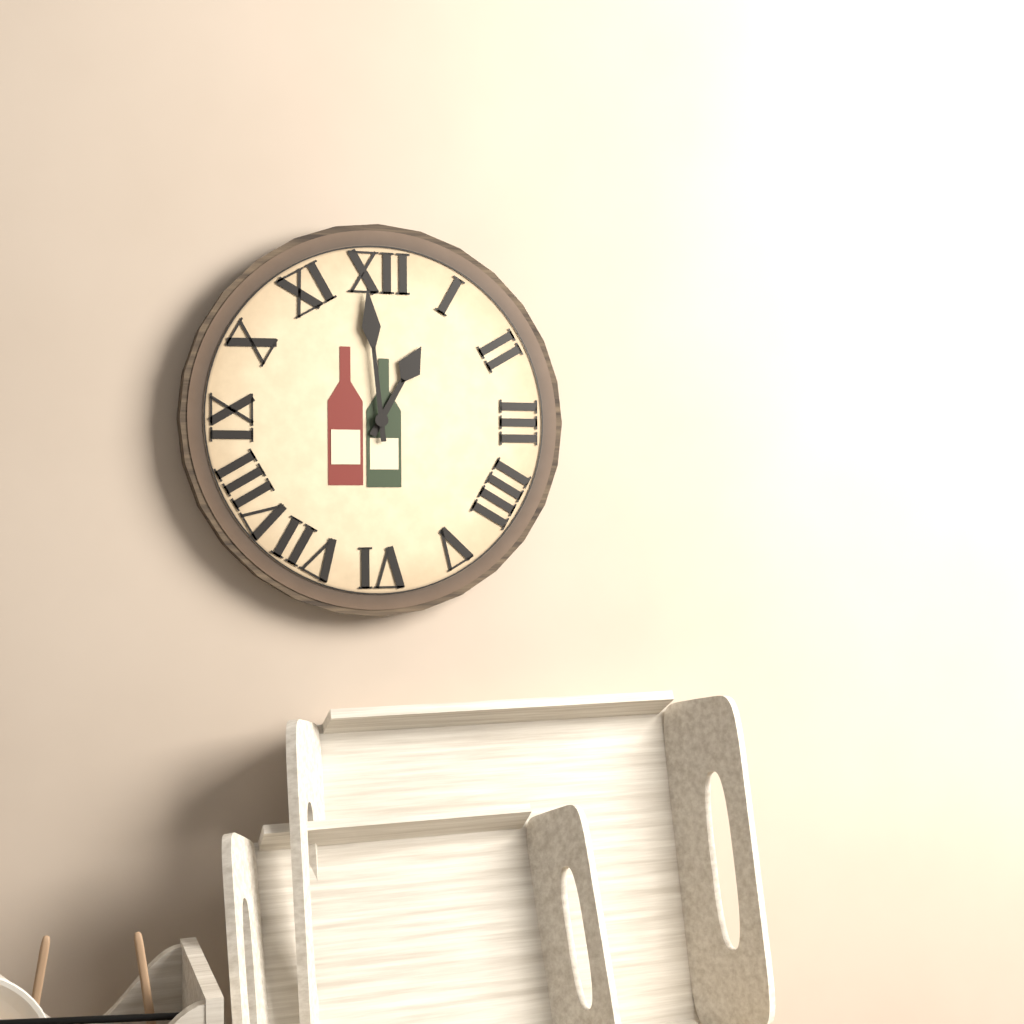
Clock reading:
**12:59**
